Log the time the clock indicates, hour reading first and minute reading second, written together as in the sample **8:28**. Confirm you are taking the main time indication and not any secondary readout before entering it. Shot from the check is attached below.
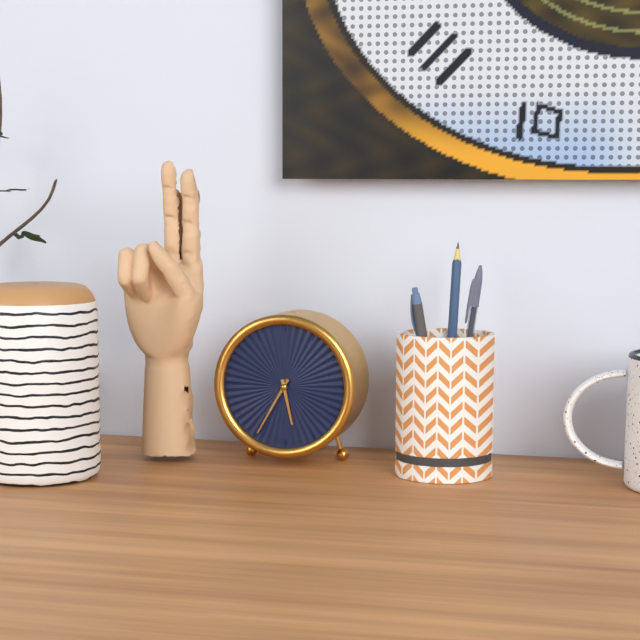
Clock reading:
**5:35**
